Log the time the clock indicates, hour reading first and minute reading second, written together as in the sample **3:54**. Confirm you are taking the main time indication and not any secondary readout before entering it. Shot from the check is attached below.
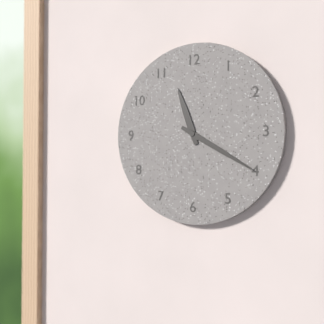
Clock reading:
**11:20**
